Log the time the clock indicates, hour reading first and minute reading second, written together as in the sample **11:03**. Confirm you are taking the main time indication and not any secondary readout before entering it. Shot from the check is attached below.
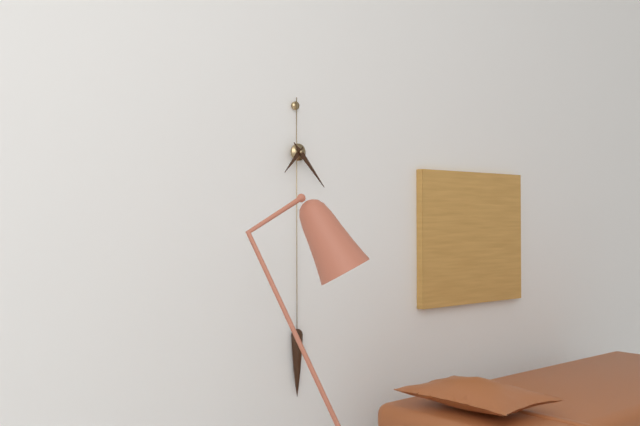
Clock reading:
**7:23**
